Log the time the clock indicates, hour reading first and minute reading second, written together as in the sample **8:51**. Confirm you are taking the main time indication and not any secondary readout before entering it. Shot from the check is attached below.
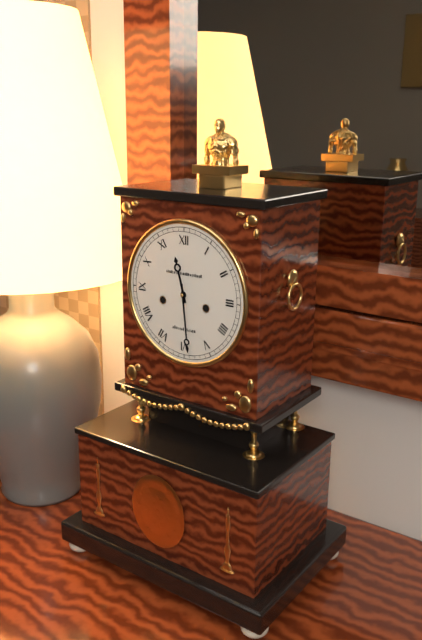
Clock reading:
**11:29**
